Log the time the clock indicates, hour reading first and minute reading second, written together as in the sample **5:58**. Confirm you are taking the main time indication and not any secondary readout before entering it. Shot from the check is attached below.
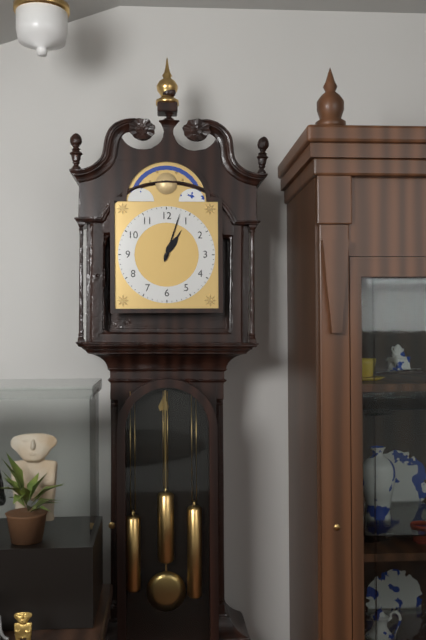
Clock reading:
**1:03**
